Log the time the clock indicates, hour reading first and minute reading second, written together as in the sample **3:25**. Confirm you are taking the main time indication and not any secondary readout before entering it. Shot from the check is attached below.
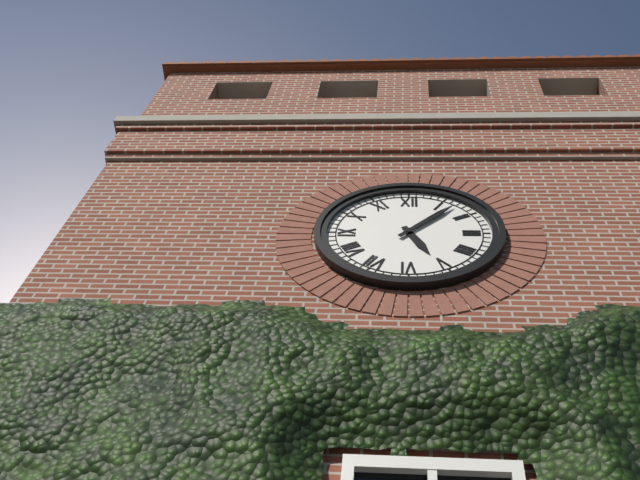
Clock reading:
**5:07**
